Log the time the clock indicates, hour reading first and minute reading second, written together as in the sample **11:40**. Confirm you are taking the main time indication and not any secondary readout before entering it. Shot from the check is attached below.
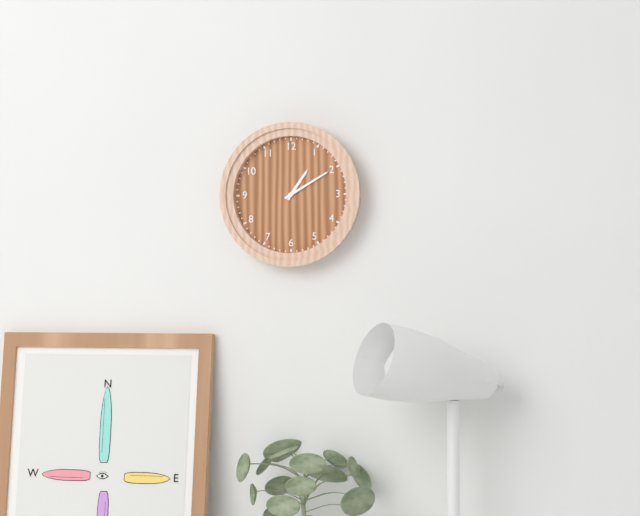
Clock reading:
**1:10**
